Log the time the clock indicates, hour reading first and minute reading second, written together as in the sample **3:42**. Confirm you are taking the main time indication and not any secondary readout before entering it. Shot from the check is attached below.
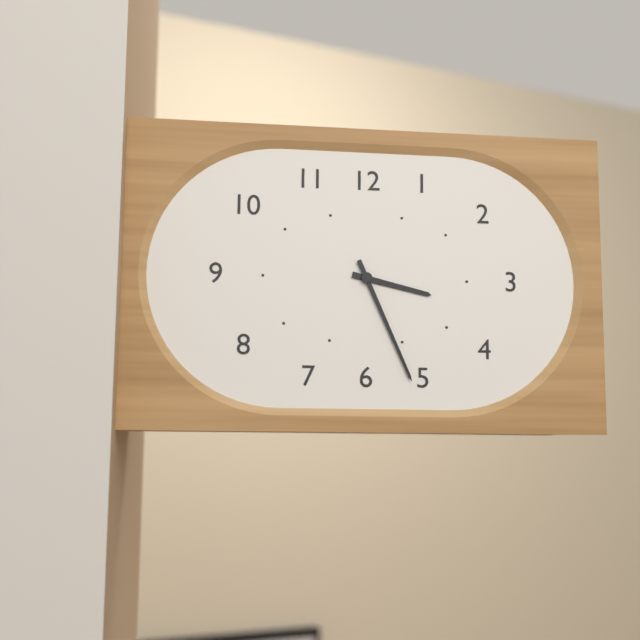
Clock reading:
**3:26**
